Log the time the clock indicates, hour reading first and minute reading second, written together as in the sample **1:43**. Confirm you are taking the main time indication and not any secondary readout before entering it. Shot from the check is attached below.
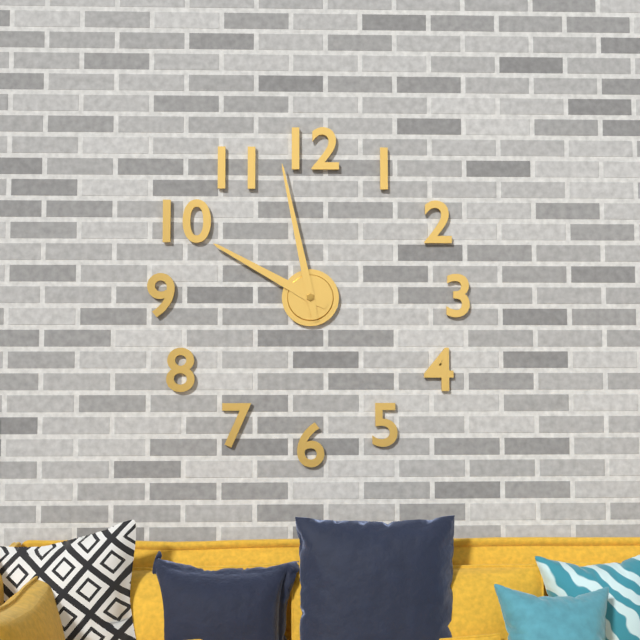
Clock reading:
**9:58**
